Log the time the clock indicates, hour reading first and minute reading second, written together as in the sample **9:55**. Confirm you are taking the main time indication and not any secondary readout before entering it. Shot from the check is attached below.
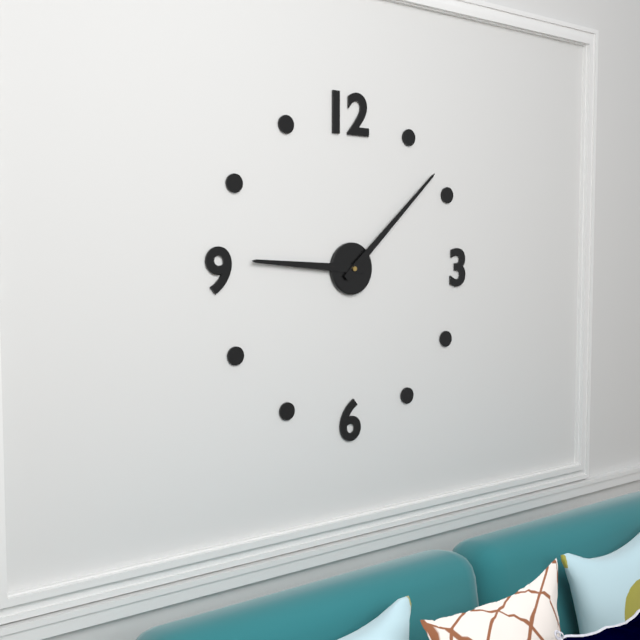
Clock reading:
**9:08**
